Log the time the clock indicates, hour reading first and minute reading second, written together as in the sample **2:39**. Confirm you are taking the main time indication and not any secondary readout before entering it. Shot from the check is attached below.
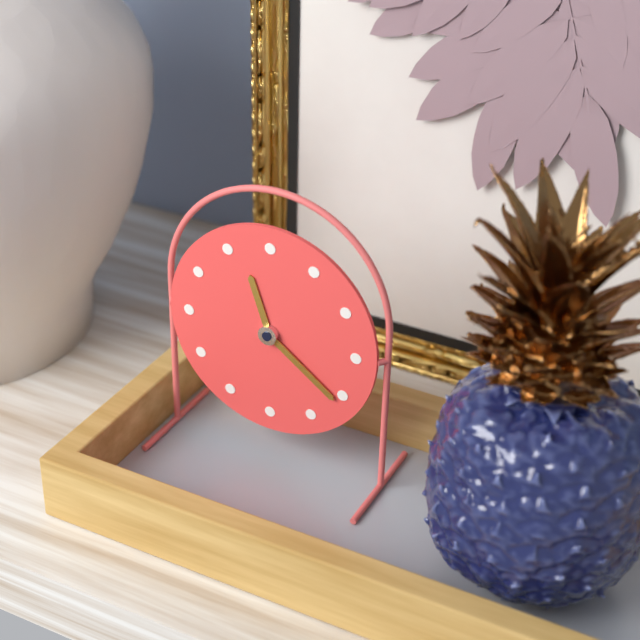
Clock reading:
**11:21**
